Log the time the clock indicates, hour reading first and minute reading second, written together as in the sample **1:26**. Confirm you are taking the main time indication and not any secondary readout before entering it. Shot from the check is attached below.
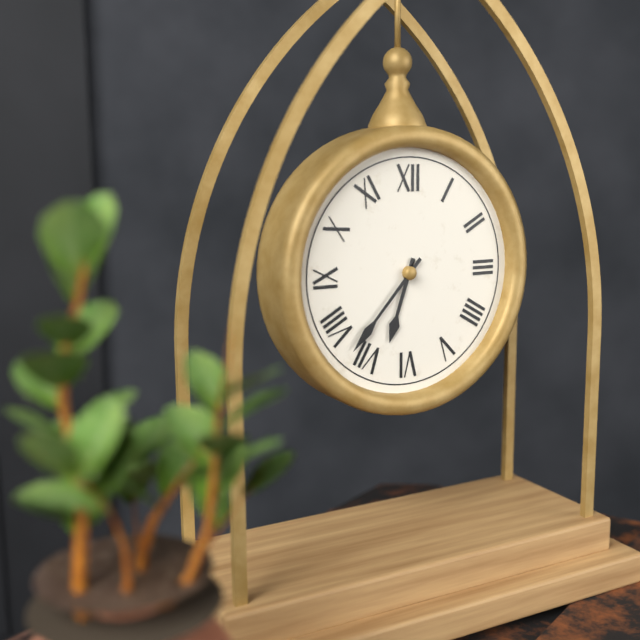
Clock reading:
**6:37**
